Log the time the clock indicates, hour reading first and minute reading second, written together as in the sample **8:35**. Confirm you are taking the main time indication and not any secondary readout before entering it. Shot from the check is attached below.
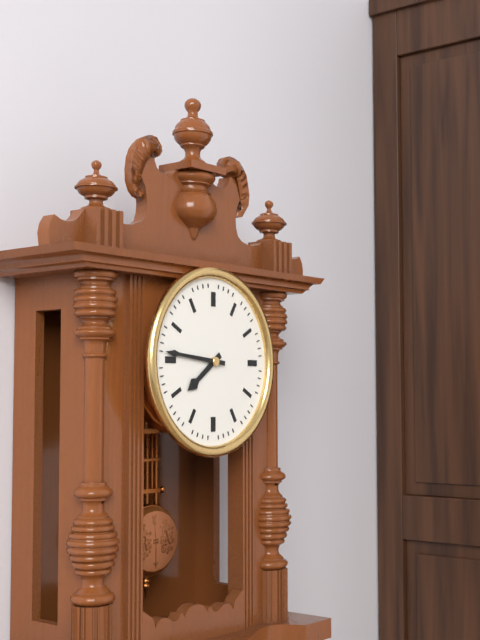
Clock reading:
**7:46**
